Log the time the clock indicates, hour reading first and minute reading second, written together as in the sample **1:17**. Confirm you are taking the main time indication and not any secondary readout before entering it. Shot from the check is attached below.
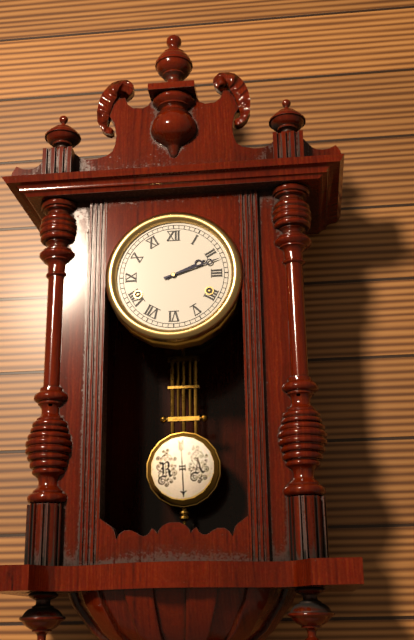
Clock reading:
**2:12**
